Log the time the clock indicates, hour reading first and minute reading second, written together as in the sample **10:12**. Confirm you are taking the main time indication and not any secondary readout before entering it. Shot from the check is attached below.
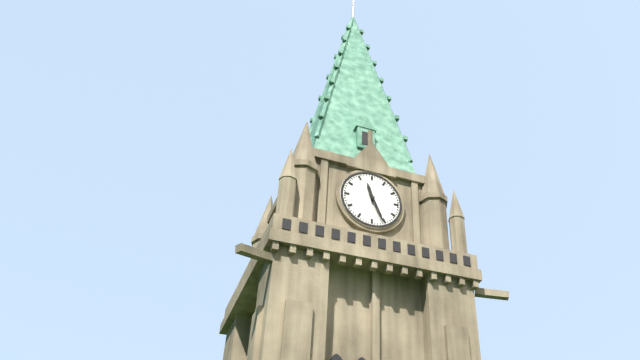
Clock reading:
**11:26**
